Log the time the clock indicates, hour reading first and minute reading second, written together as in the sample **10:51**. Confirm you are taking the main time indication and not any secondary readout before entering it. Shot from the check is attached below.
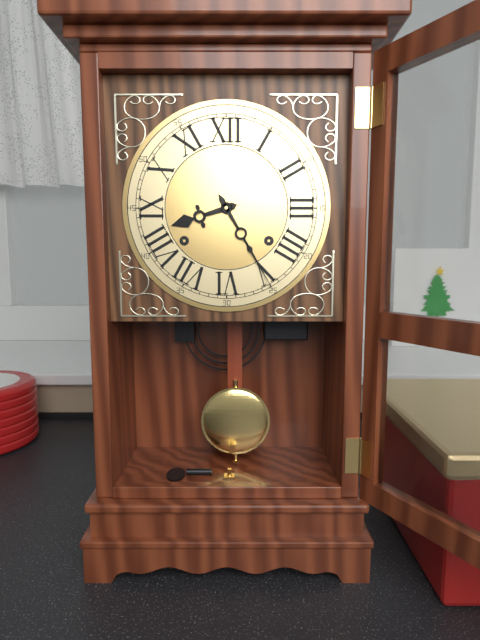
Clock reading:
**8:25**
